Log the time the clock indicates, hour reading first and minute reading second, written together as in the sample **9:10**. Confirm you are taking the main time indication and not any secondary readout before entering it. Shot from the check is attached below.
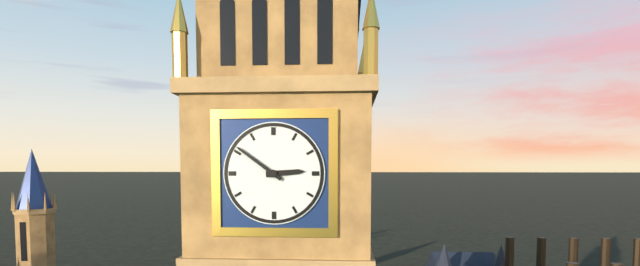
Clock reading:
**2:51**
